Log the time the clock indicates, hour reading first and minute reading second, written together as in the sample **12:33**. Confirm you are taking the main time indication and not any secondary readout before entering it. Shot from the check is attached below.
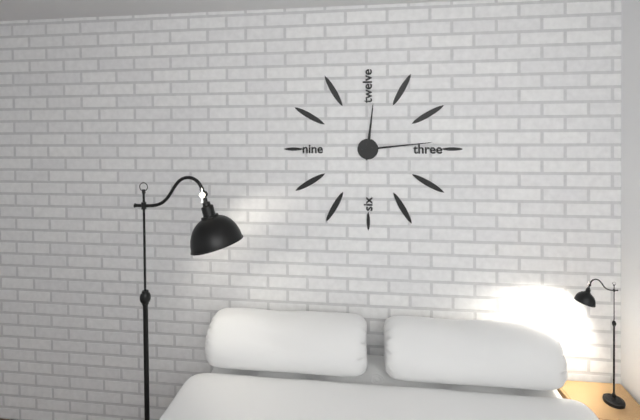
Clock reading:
**12:14**
